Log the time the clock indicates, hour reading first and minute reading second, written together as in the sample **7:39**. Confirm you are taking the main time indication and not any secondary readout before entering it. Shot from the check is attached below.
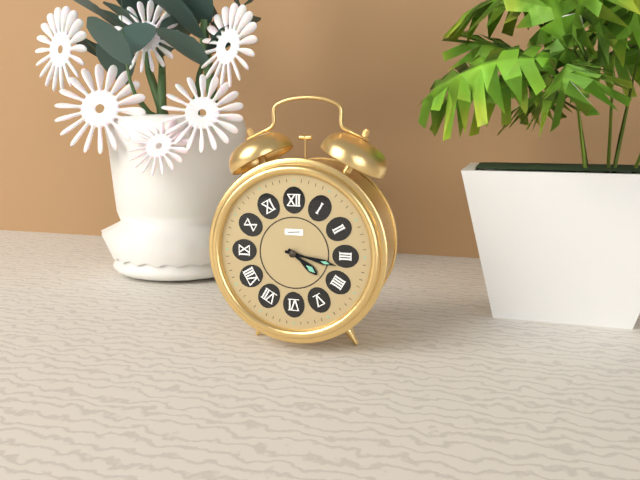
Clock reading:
**4:17**
